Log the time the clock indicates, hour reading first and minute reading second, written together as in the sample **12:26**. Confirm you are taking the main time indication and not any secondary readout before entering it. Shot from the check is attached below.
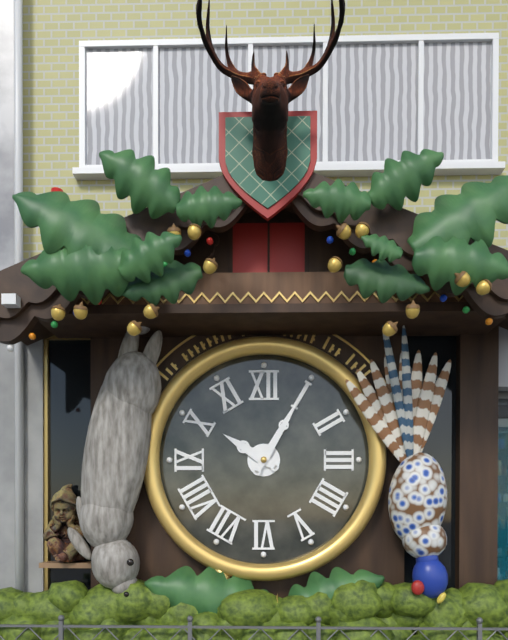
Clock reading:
**10:05**
